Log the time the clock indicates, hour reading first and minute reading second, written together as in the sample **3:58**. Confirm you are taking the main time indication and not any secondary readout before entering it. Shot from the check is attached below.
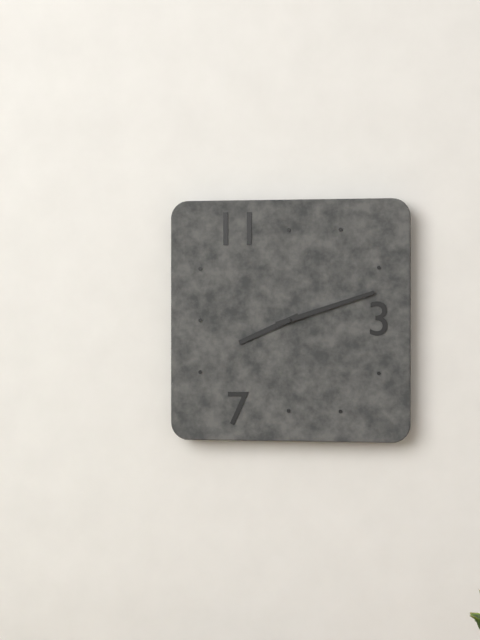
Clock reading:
**8:12**
